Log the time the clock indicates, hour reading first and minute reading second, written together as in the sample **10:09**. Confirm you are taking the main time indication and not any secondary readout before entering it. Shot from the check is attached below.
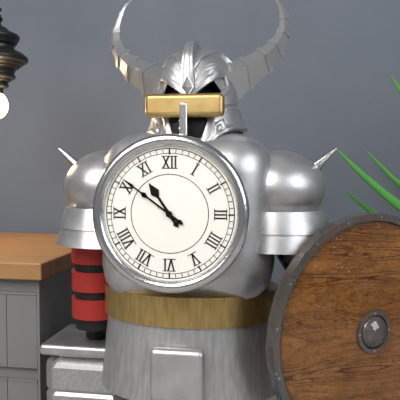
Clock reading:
**10:51**
